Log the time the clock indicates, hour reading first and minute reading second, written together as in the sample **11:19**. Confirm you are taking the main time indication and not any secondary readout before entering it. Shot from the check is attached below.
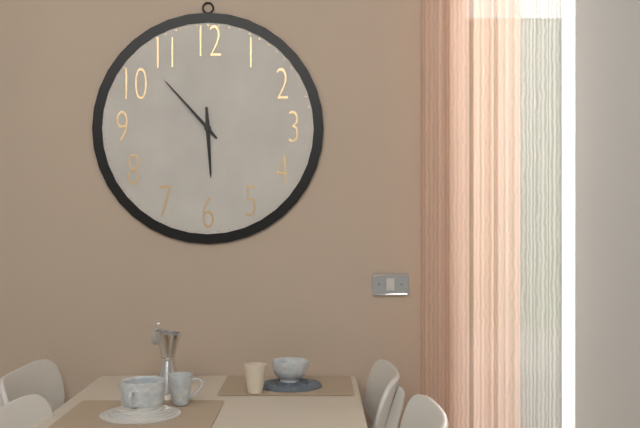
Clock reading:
**5:53**
